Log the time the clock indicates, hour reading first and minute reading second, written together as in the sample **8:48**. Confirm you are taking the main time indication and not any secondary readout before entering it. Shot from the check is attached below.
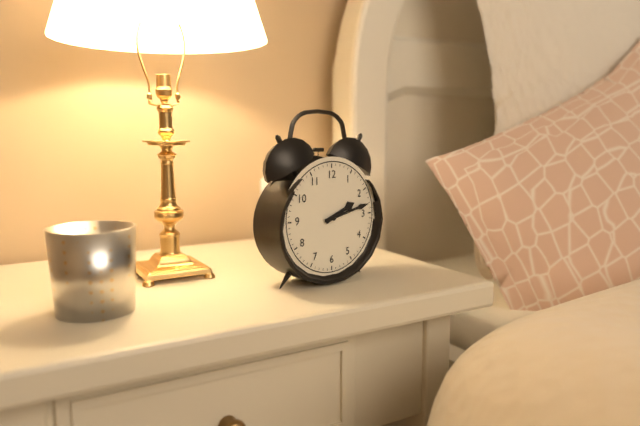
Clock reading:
**2:13**
